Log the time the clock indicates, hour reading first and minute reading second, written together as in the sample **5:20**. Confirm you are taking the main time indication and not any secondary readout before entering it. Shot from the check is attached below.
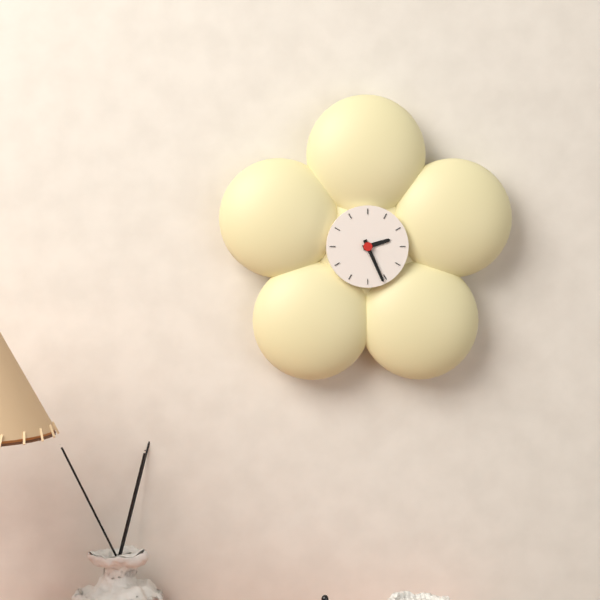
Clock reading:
**2:26**
